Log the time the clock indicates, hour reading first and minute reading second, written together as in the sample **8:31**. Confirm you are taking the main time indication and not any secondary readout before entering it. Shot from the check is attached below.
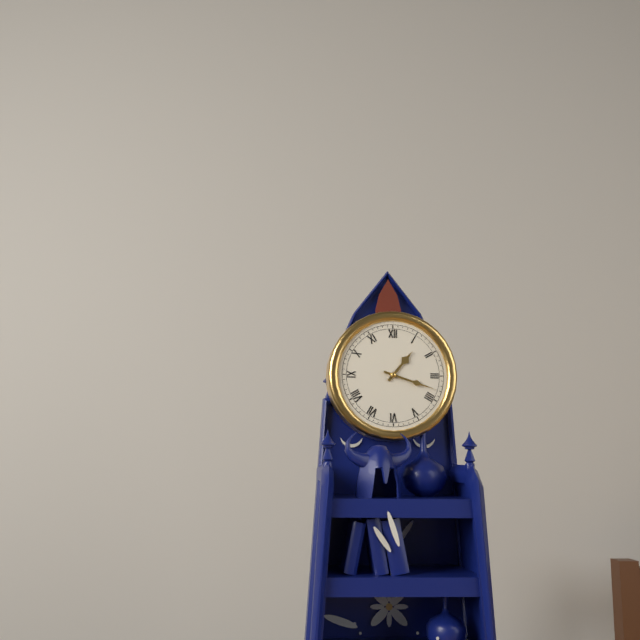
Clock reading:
**1:18**
